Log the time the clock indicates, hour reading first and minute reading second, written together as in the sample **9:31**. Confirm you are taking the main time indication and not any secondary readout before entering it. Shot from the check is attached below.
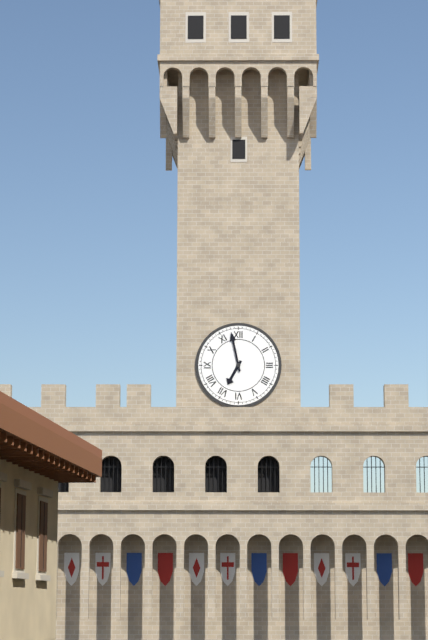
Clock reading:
**6:58**
